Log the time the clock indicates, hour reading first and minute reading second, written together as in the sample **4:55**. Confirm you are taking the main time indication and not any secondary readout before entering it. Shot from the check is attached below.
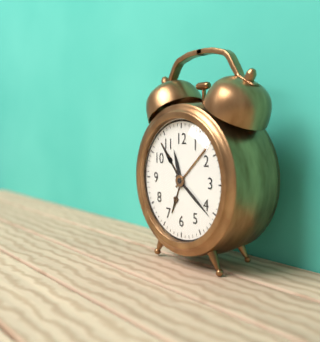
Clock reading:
**11:21**
